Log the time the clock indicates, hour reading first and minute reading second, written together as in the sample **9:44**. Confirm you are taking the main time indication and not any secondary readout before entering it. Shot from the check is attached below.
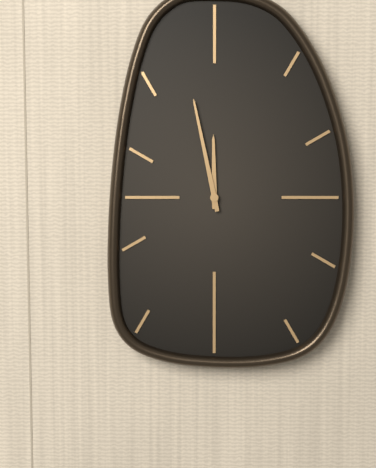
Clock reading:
**11:58**
